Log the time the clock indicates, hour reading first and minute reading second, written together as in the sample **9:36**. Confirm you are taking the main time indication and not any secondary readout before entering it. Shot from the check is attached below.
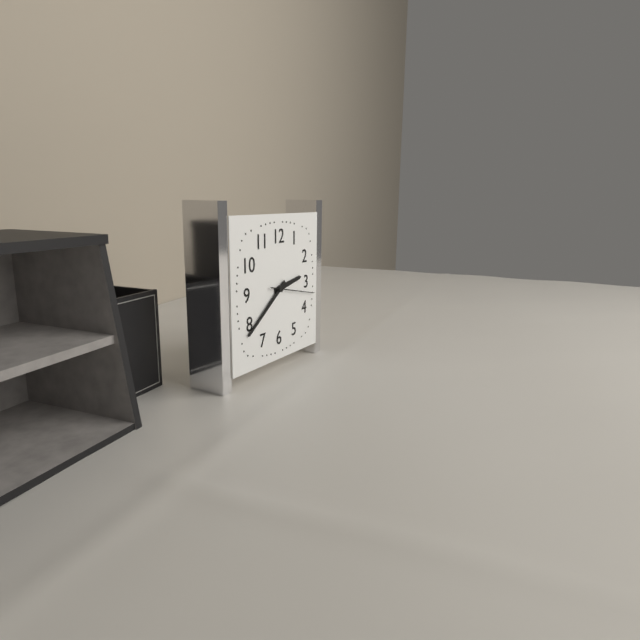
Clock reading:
**2:39**
